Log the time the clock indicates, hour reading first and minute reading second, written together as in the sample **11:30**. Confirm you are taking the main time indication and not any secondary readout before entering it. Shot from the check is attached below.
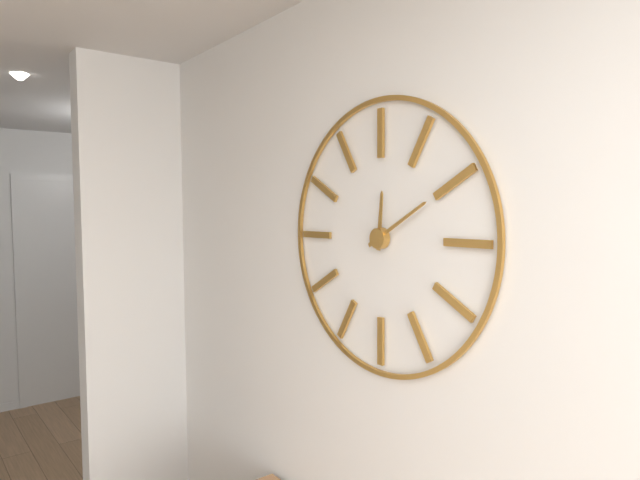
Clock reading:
**12:10**
